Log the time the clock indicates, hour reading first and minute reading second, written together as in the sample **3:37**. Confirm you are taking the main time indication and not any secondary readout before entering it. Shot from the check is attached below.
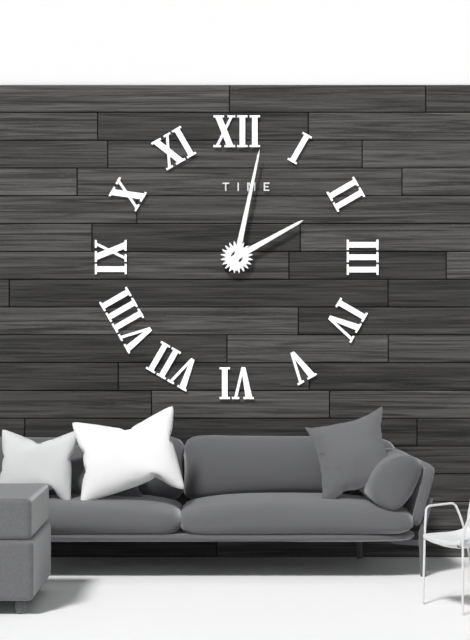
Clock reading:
**2:02**
